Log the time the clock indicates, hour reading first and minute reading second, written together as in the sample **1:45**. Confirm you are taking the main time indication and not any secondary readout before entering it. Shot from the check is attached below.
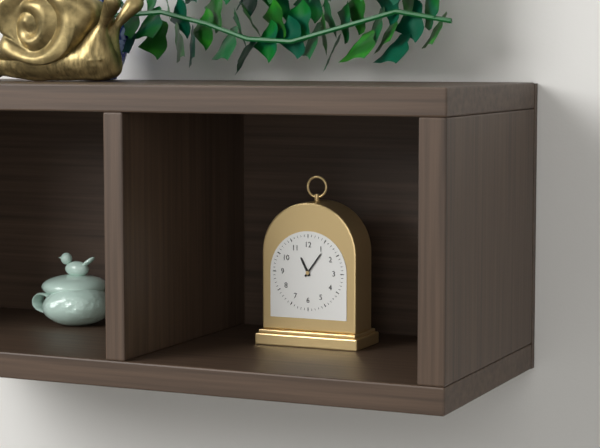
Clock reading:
**11:06**
